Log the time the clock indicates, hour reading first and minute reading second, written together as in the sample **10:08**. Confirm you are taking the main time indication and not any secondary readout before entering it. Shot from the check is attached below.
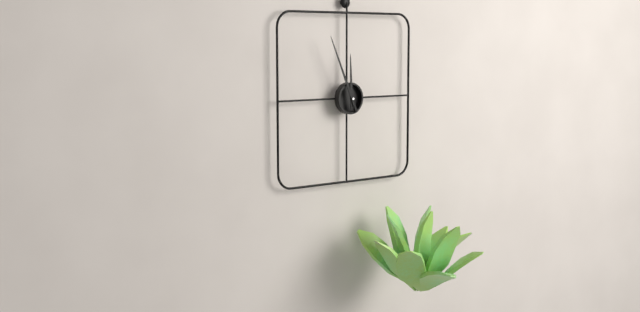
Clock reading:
**11:56**
